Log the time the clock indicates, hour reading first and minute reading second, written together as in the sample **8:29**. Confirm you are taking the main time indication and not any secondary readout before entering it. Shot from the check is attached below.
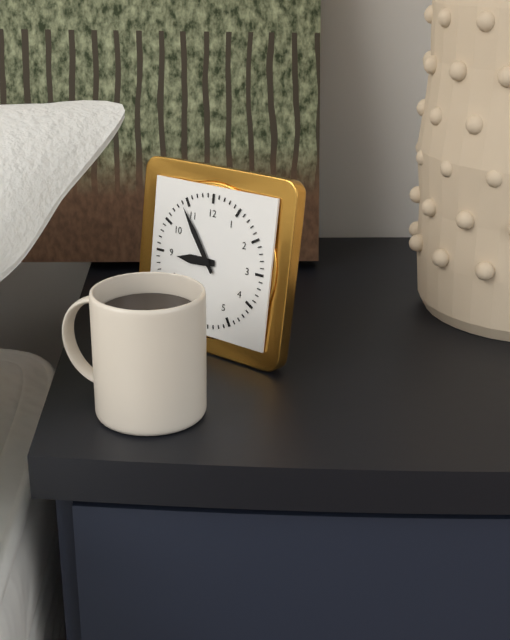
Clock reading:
**8:54**
